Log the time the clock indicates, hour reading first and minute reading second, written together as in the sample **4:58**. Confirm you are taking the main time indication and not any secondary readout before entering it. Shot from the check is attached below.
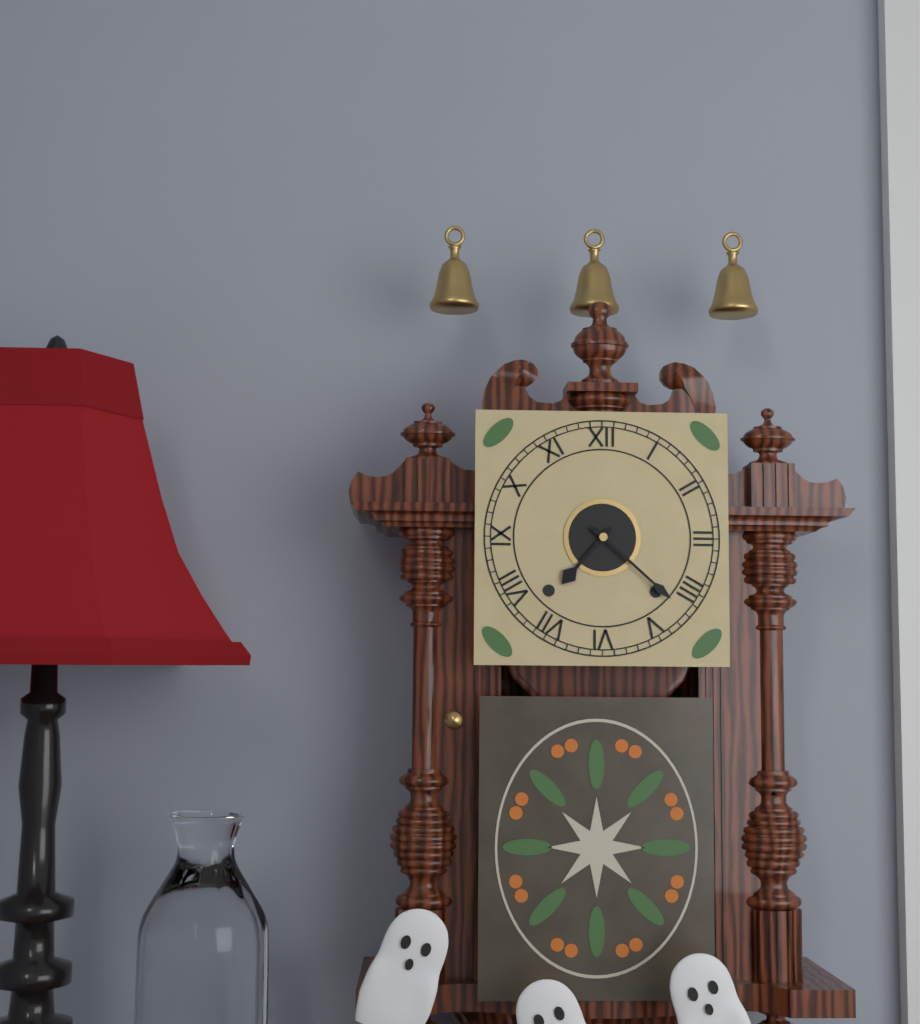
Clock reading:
**7:22**
